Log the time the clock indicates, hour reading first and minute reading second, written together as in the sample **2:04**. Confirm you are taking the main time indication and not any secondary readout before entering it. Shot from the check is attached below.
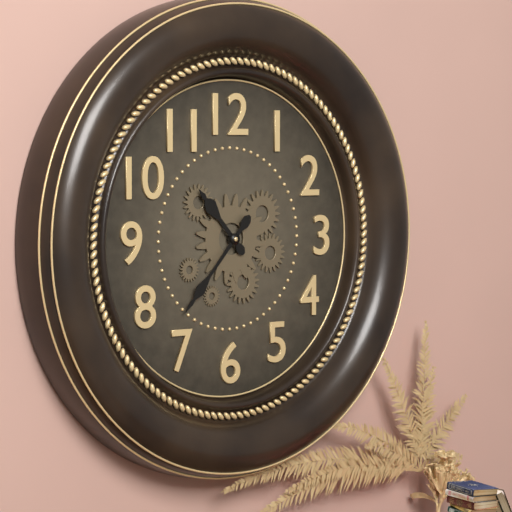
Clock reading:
**10:37**
